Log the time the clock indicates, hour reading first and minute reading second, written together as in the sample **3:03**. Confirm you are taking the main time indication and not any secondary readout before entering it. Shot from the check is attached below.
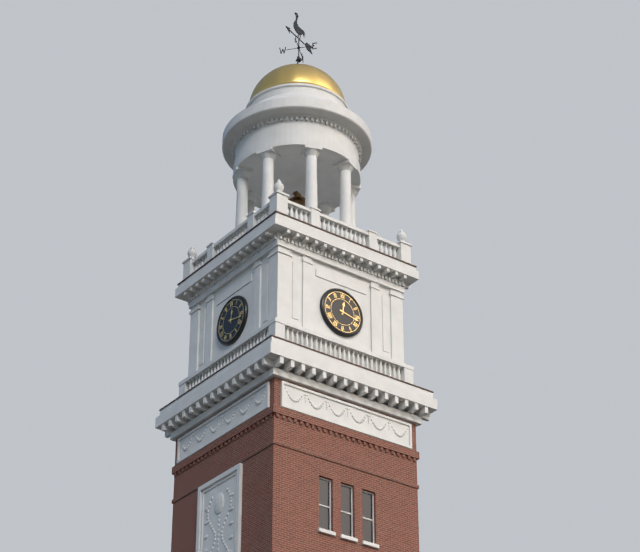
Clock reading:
**12:17**
